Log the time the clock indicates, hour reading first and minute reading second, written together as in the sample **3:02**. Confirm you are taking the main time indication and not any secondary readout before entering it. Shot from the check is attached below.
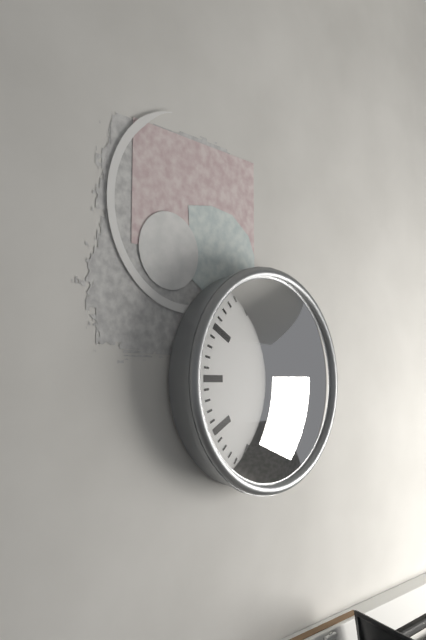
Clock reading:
**6:00**
